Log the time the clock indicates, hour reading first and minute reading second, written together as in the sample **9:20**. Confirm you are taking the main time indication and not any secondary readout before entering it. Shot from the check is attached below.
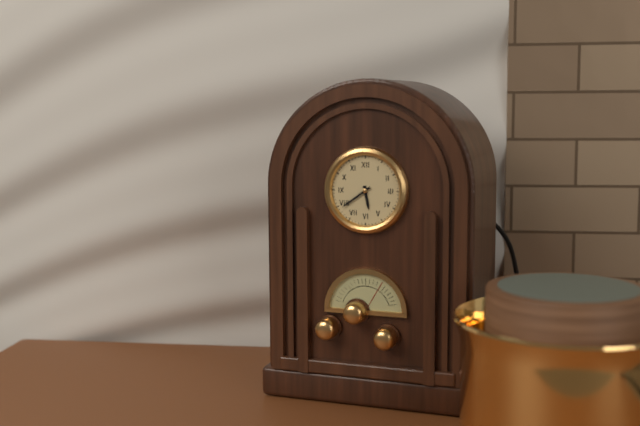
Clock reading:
**5:39**
